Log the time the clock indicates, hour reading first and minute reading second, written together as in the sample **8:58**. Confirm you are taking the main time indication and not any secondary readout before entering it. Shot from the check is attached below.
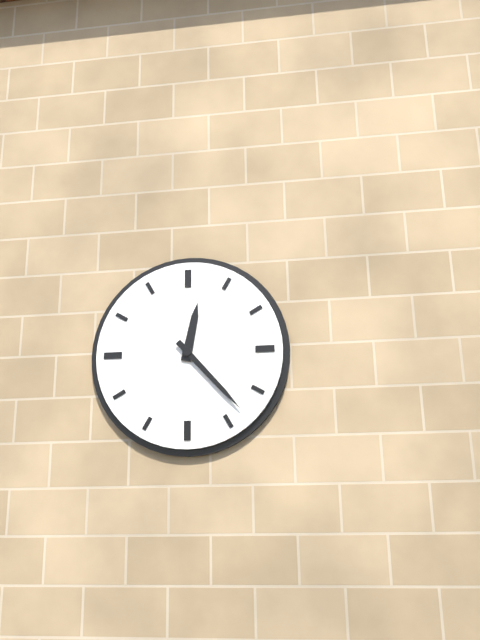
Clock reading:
**12:23**
